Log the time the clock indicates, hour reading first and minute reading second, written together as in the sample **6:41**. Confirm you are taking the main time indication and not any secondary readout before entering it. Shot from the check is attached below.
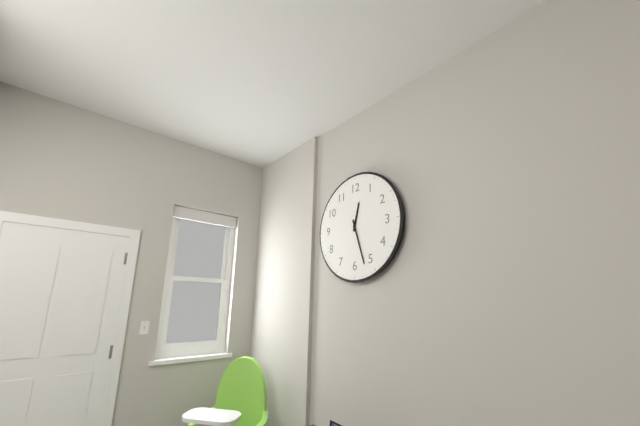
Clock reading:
**12:27**
